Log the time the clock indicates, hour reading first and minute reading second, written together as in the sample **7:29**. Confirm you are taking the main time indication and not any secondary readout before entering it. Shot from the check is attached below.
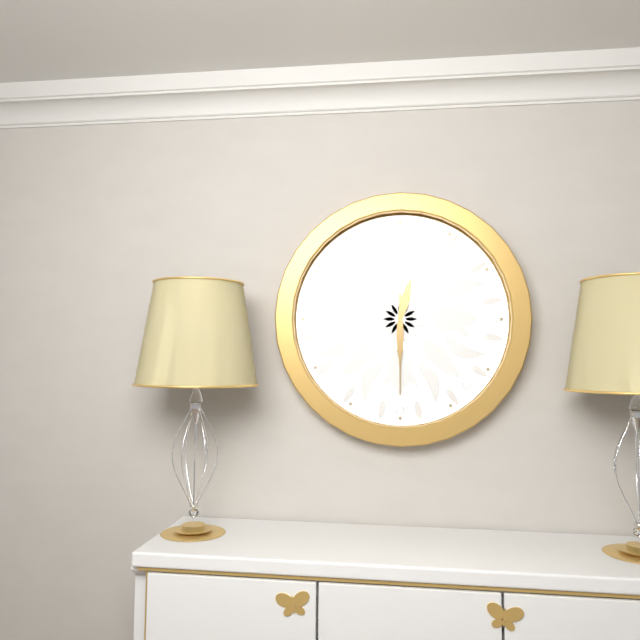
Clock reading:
**12:30**
